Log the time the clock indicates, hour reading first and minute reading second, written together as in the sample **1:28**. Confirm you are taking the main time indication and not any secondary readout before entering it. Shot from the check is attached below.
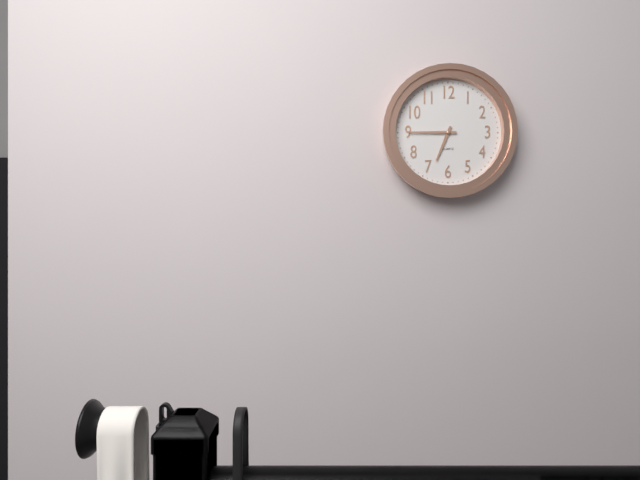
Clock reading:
**6:45**
